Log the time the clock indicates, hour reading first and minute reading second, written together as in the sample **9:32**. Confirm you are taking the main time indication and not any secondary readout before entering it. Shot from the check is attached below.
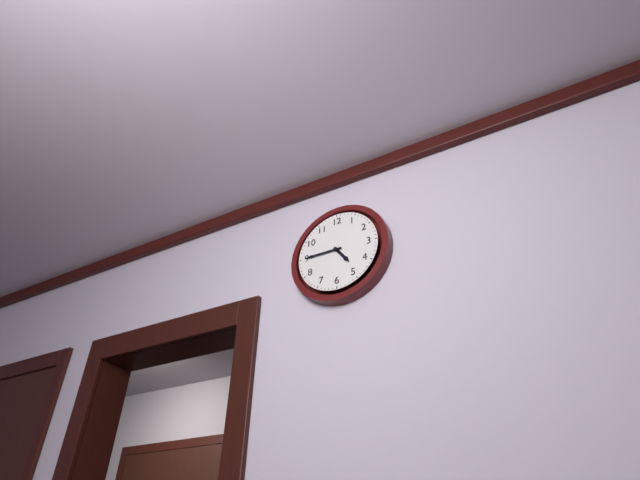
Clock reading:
**4:45**
